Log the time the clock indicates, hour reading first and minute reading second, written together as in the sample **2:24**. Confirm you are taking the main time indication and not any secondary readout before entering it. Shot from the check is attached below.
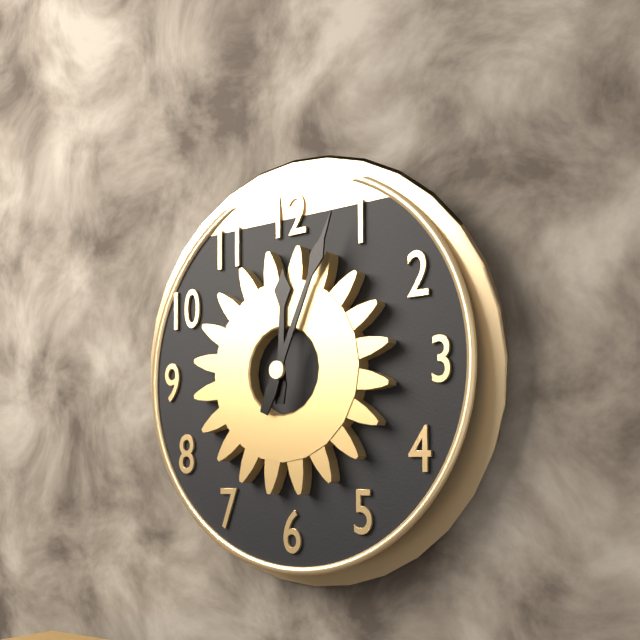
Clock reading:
**12:04**
